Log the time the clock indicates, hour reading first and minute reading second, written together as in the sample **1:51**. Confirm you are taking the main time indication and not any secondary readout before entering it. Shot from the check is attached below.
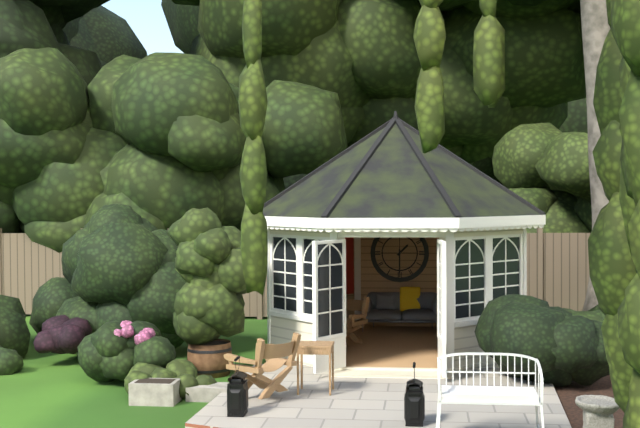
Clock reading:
**1:30**
